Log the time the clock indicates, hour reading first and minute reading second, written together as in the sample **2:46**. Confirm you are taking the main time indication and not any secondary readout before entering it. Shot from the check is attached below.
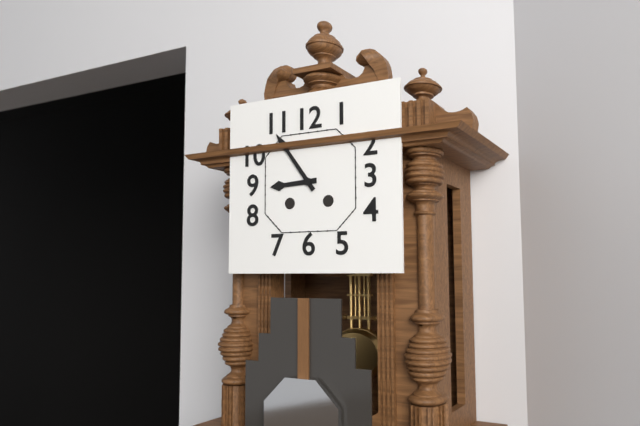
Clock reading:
**8:54**
